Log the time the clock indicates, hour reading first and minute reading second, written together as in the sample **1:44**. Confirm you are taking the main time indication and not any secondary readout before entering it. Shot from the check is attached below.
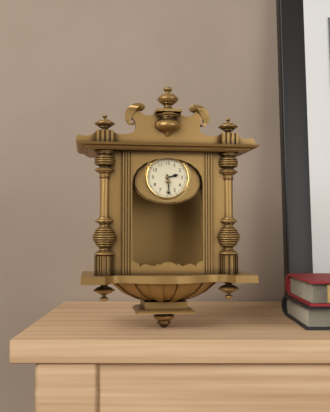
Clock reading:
**2:29**
